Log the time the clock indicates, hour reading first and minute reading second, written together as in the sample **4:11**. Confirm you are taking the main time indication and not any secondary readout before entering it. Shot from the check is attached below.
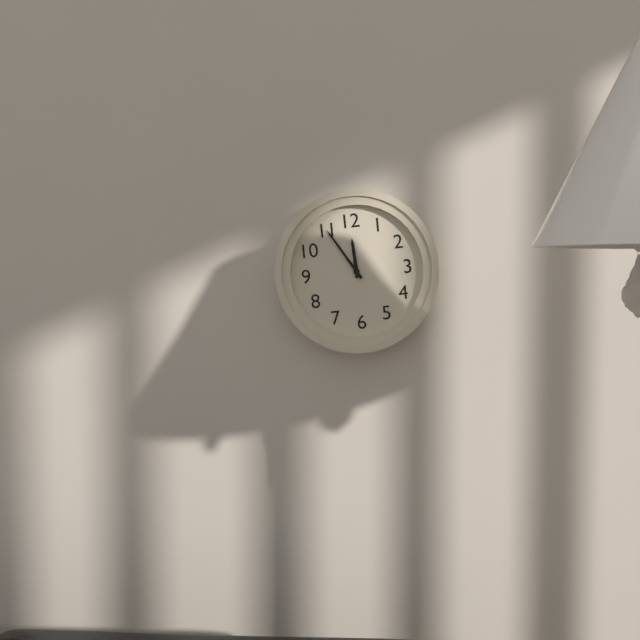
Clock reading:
**11:55**
